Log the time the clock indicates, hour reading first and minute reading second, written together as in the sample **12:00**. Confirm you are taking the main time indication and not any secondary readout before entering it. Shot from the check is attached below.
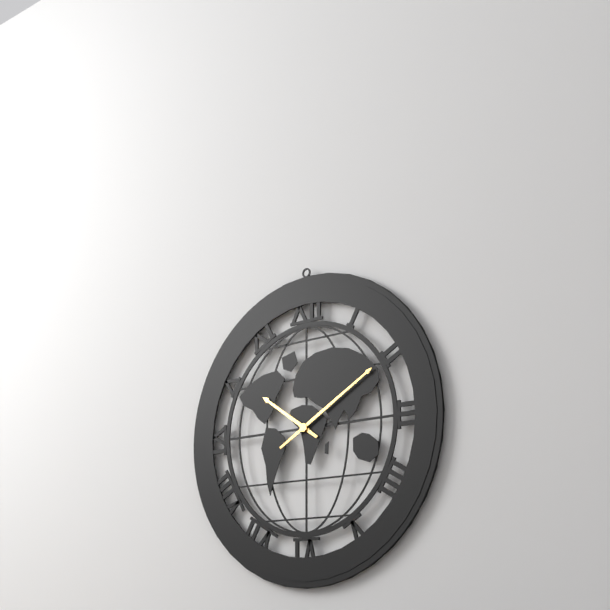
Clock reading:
**10:10**
